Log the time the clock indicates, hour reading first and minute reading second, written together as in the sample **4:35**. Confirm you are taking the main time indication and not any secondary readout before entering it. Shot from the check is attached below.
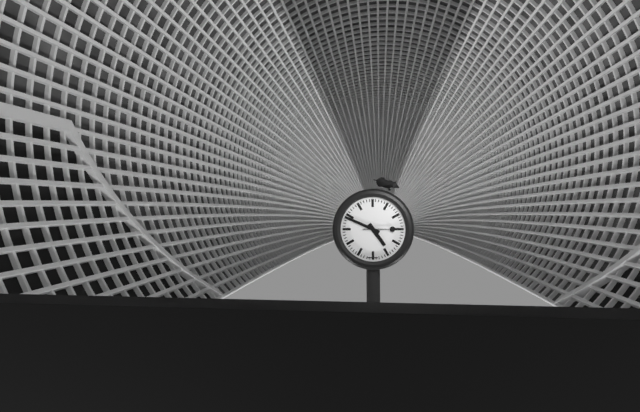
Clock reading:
**4:49**
